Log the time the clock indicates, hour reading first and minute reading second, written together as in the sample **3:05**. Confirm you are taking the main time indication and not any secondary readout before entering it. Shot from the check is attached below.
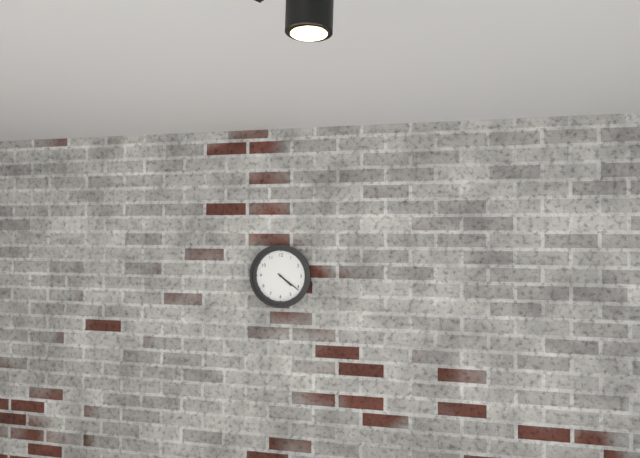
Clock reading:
**4:21**
